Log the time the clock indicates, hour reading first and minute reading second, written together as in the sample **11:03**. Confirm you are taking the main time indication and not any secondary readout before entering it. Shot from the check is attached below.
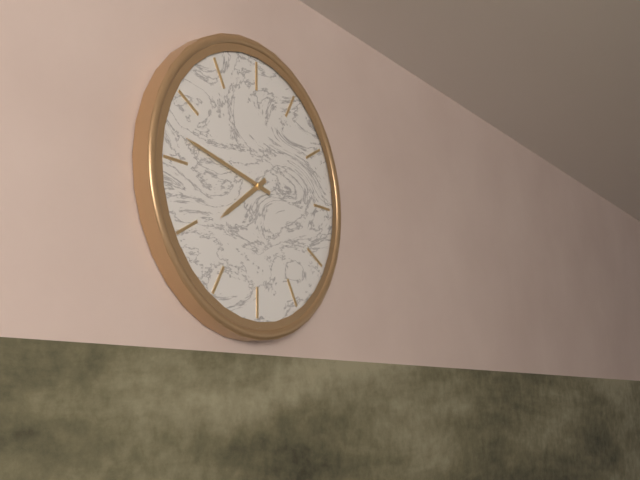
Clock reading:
**7:47**
